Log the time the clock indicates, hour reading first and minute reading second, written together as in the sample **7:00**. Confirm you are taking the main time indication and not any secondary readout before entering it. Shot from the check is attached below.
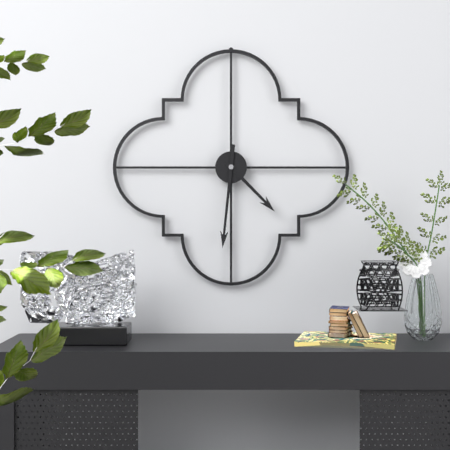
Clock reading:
**4:31**
